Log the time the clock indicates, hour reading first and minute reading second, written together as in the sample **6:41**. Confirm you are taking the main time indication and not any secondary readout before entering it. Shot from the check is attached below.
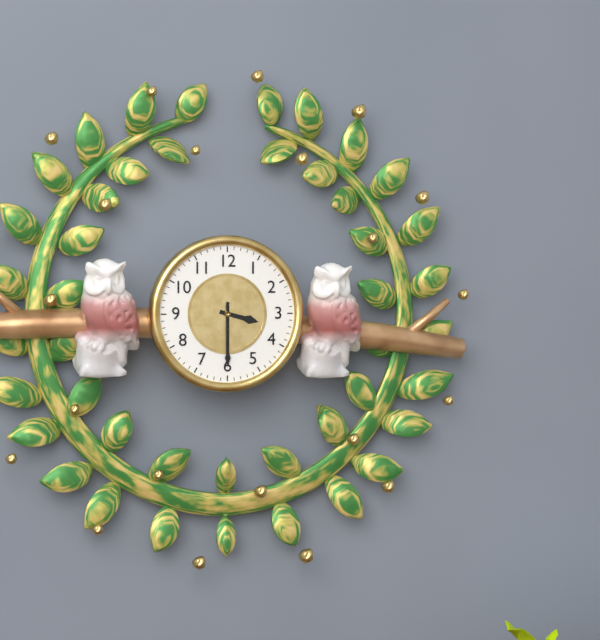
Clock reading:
**3:30**
